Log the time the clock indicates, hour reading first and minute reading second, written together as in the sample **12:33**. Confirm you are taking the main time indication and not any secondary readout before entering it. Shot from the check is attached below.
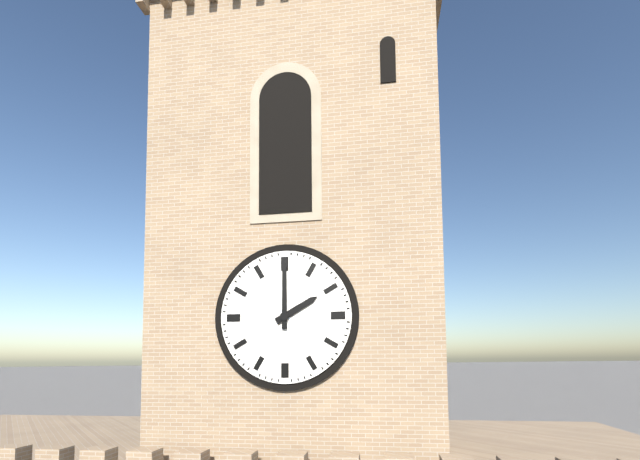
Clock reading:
**2:00**
